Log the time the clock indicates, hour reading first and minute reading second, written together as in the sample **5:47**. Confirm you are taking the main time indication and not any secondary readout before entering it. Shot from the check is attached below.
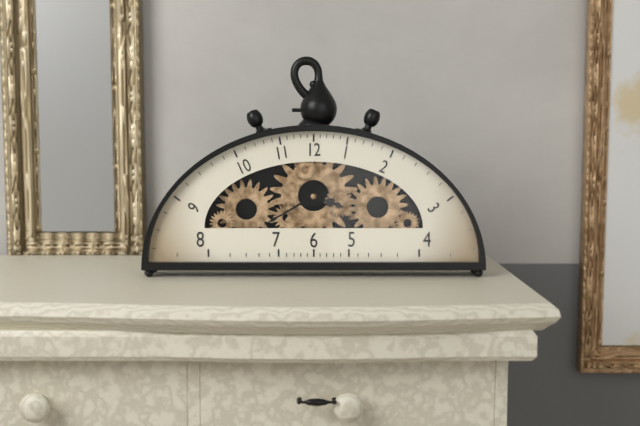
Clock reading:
**3:40**
